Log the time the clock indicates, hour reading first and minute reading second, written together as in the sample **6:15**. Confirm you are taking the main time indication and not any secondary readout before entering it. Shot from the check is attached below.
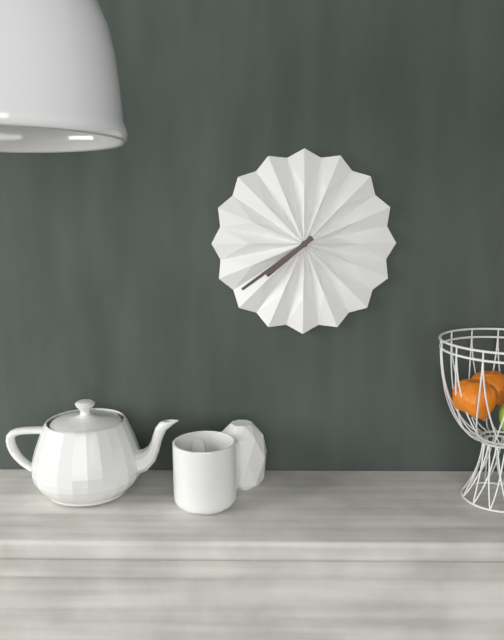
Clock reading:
**7:39**
